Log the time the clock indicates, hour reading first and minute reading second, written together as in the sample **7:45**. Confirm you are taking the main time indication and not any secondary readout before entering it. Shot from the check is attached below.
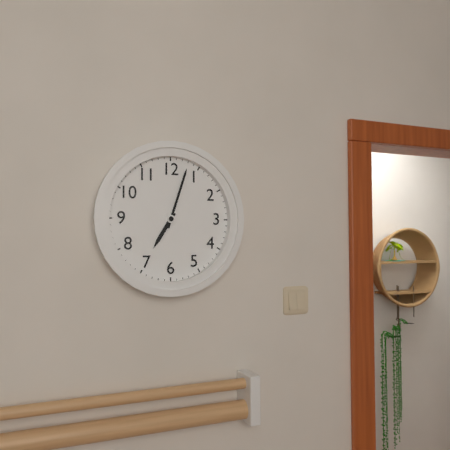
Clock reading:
**7:03**
